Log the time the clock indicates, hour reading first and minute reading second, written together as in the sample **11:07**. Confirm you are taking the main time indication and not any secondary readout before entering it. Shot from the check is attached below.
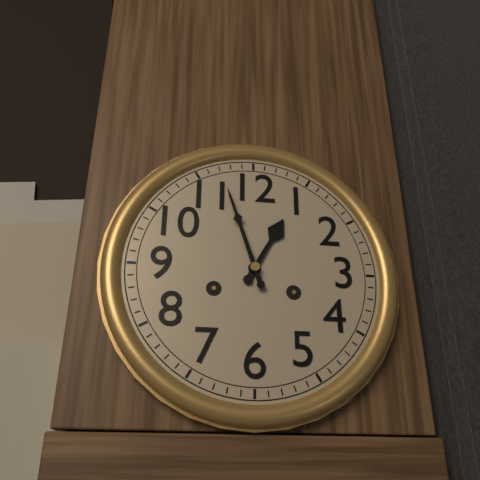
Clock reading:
**12:57**
